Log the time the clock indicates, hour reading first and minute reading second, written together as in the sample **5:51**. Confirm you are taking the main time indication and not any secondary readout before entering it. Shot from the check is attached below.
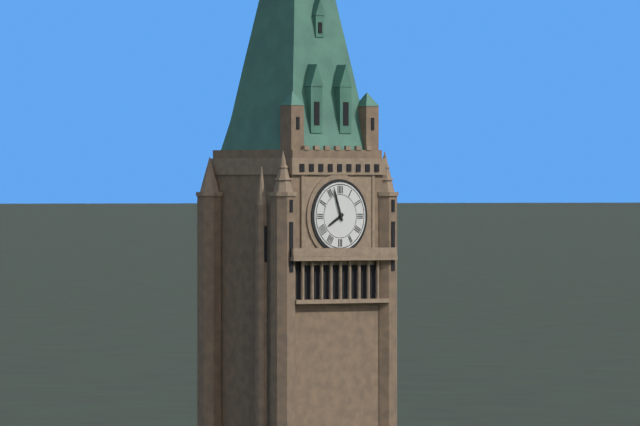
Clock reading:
**7:57**
